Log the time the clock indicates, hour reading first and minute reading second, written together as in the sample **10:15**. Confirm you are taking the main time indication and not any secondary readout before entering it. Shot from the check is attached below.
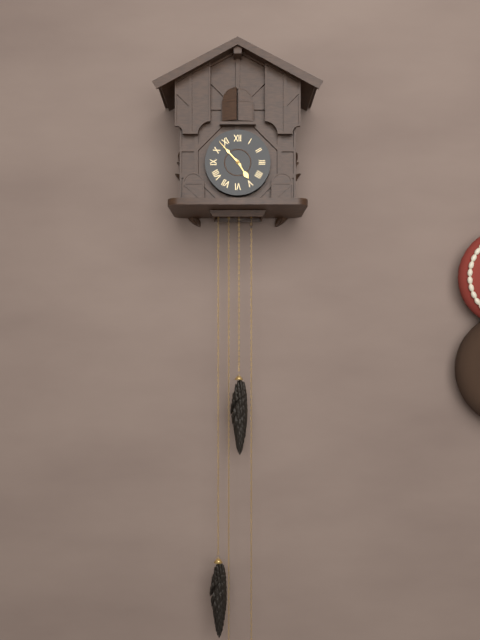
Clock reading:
**4:53**
